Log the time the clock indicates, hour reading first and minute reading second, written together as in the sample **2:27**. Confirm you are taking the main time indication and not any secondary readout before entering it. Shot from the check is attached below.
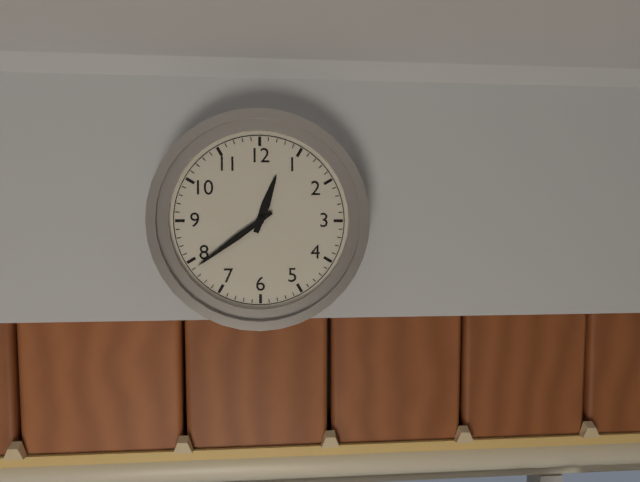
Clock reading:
**12:39**
